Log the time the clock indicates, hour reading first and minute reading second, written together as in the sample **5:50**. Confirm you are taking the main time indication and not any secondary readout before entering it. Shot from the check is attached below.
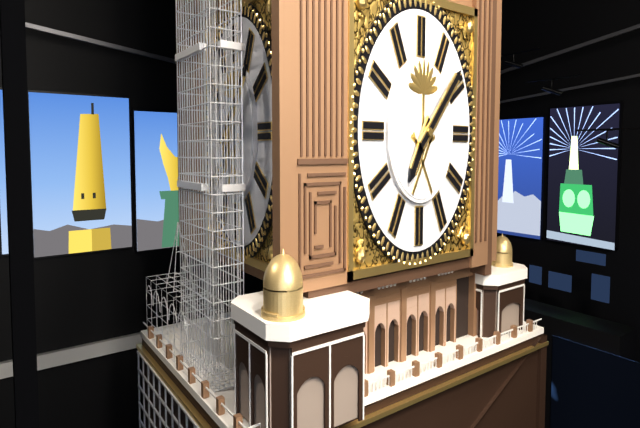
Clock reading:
**7:08**
